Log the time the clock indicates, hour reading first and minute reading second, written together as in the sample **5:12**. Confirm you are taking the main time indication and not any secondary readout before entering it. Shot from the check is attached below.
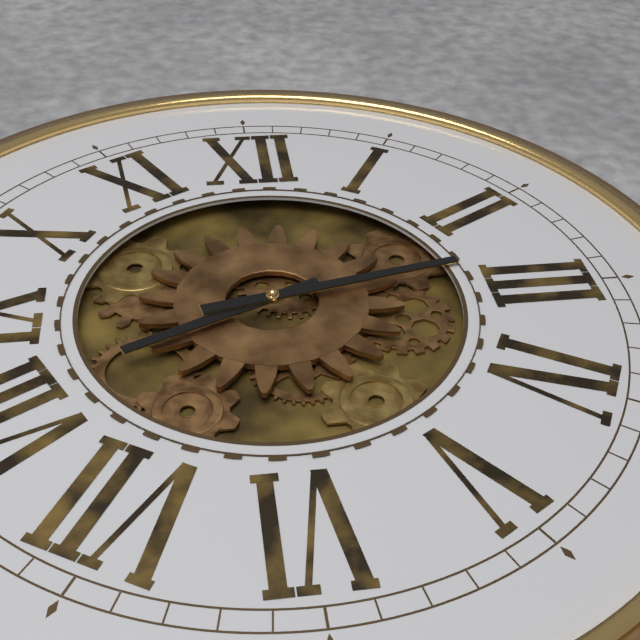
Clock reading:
**8:13**
